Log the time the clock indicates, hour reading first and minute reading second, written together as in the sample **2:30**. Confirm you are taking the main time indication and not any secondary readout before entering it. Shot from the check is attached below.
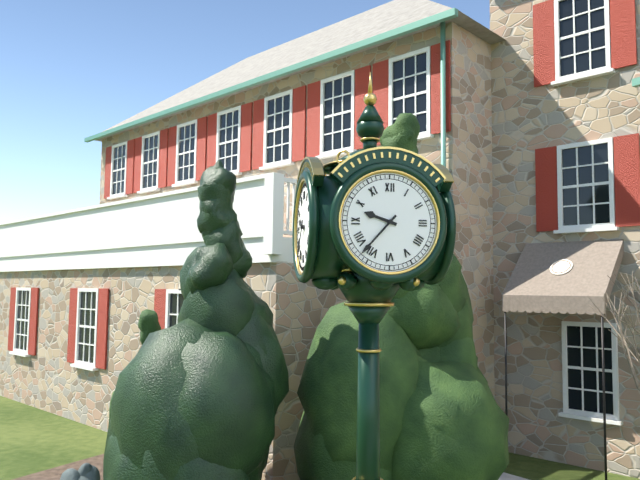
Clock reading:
**9:37**
